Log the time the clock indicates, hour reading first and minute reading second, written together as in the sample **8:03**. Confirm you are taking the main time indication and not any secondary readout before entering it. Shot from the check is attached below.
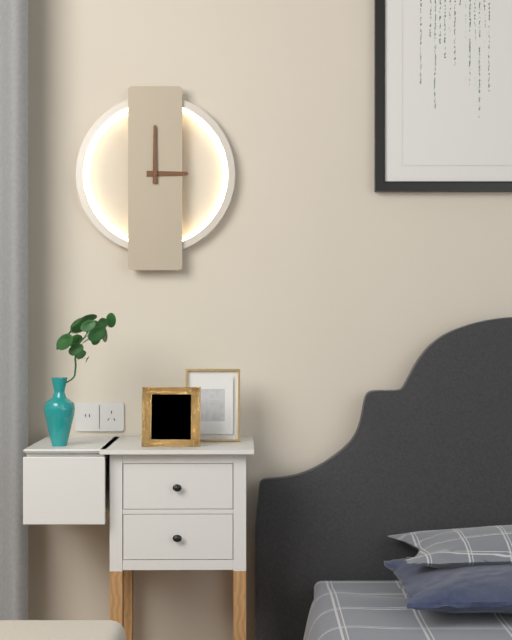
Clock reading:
**3:00**
